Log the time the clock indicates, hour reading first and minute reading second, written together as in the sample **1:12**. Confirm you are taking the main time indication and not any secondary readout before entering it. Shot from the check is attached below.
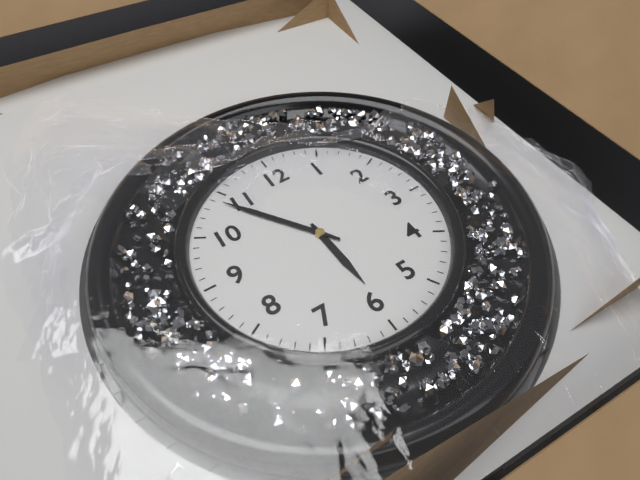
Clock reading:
**5:54**
